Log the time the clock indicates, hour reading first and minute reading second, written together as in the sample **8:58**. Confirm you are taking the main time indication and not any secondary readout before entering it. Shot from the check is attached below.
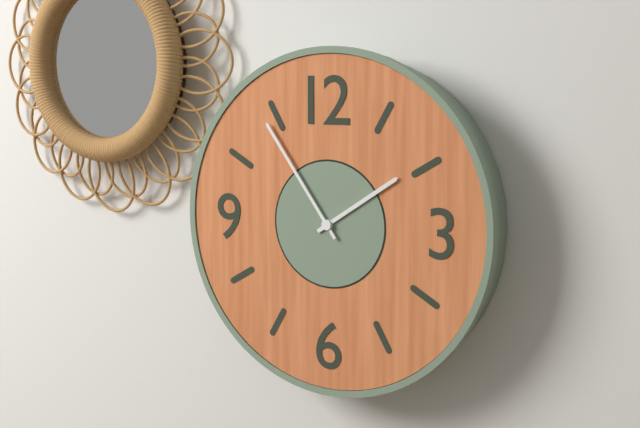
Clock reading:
**1:54**
